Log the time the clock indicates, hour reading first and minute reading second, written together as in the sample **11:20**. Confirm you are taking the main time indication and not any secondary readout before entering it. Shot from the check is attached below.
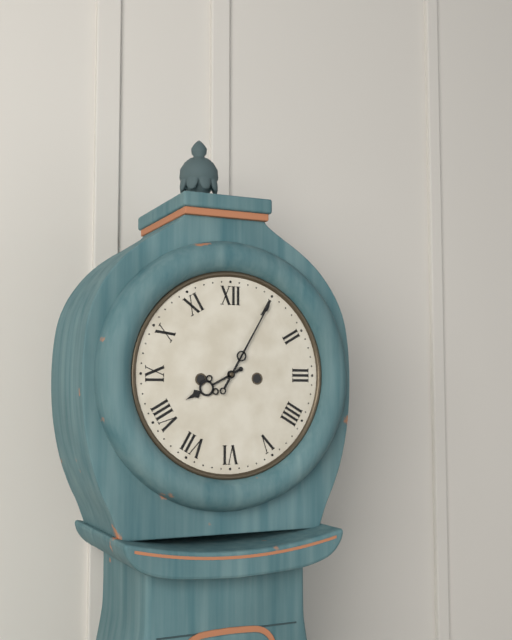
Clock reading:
**8:05**
